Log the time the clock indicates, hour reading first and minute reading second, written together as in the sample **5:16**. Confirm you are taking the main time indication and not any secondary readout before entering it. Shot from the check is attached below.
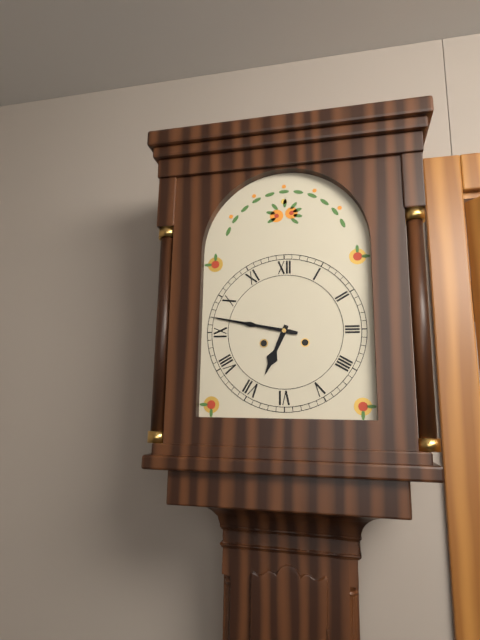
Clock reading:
**6:47**
